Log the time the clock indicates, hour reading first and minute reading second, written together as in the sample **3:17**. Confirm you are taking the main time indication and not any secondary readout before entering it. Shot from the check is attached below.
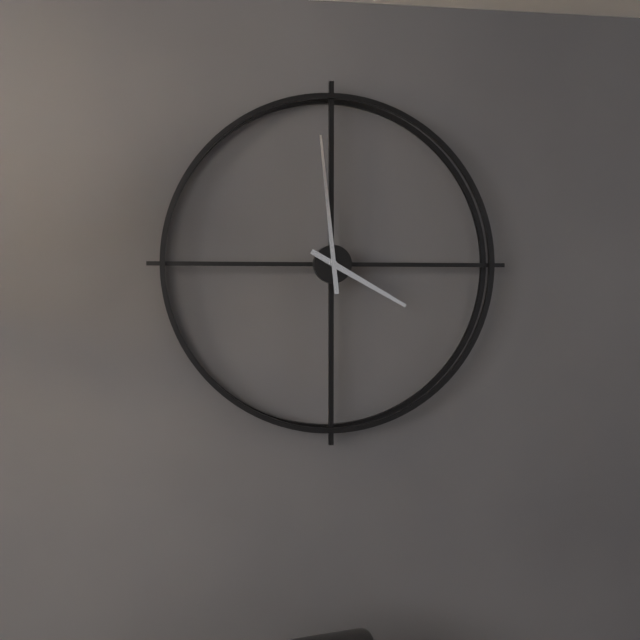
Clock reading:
**3:59**
